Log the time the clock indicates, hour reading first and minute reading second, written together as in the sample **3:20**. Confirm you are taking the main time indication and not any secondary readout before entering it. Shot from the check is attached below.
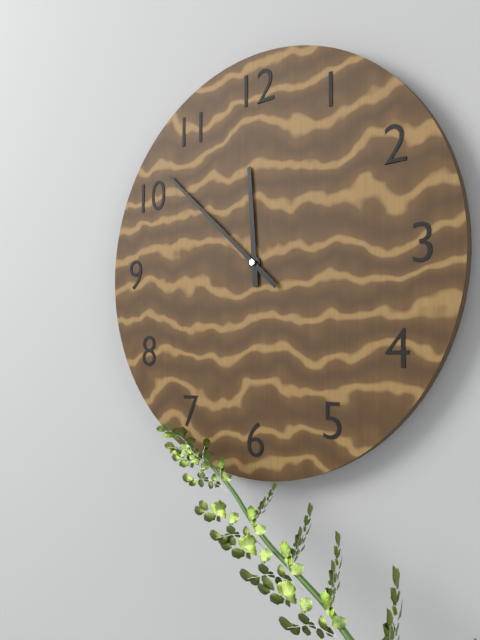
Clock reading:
**11:52**
